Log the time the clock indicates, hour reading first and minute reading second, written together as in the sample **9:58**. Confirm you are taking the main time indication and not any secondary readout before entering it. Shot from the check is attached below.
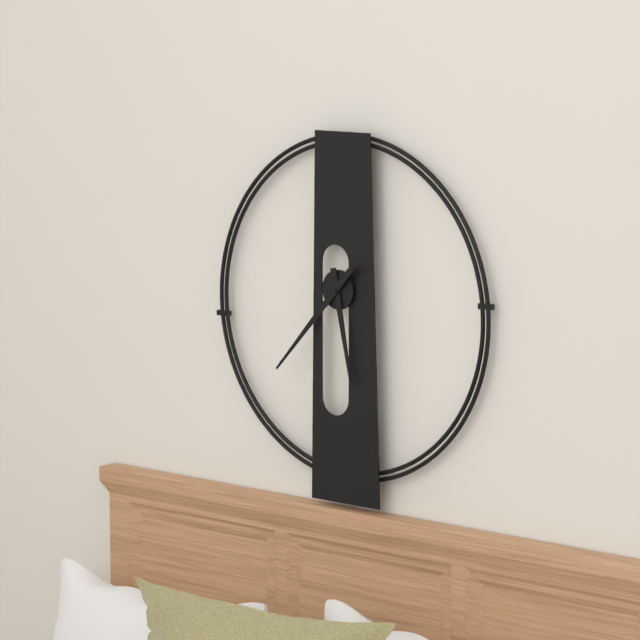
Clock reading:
**5:37**
